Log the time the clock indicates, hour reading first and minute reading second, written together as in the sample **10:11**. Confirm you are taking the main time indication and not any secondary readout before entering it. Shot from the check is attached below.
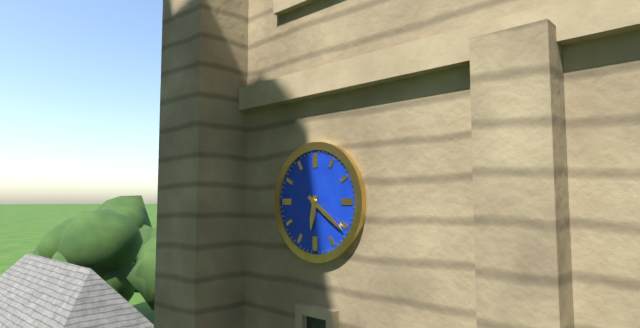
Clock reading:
**6:21**
